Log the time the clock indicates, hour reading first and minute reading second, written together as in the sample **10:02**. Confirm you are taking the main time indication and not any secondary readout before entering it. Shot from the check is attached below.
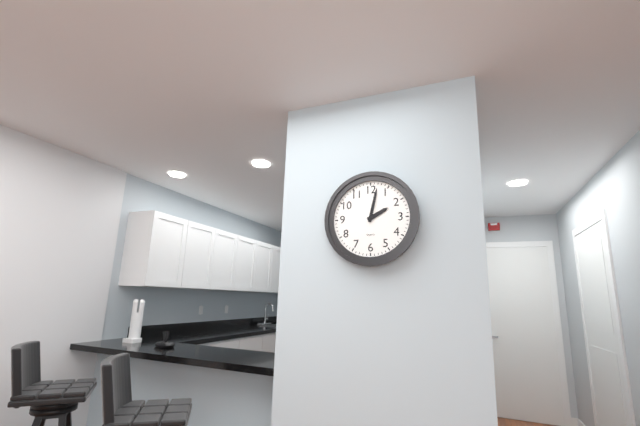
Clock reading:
**2:02**
